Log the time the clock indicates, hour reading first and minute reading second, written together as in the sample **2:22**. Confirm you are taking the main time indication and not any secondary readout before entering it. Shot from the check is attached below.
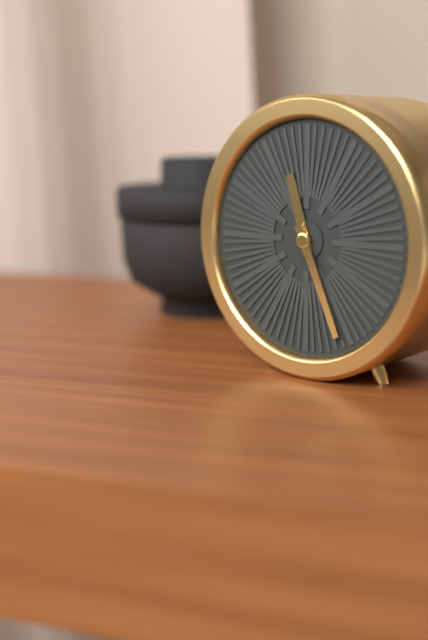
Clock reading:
**11:26**
